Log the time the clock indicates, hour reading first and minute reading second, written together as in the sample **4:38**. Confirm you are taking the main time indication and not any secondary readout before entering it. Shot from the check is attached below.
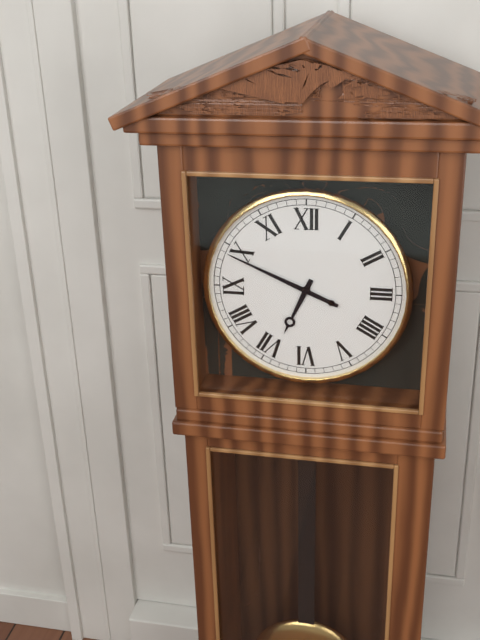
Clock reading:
**6:49**
